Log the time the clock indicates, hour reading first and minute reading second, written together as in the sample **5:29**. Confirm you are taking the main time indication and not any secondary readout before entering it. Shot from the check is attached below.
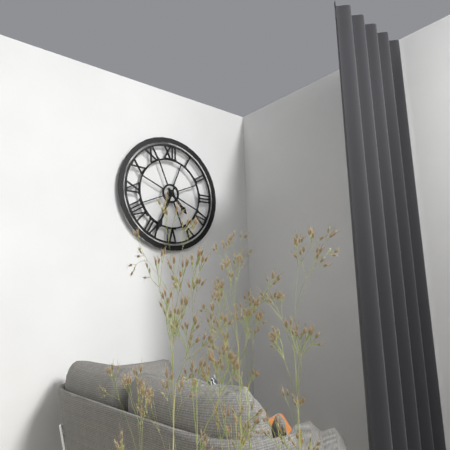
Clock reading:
**4:34**
